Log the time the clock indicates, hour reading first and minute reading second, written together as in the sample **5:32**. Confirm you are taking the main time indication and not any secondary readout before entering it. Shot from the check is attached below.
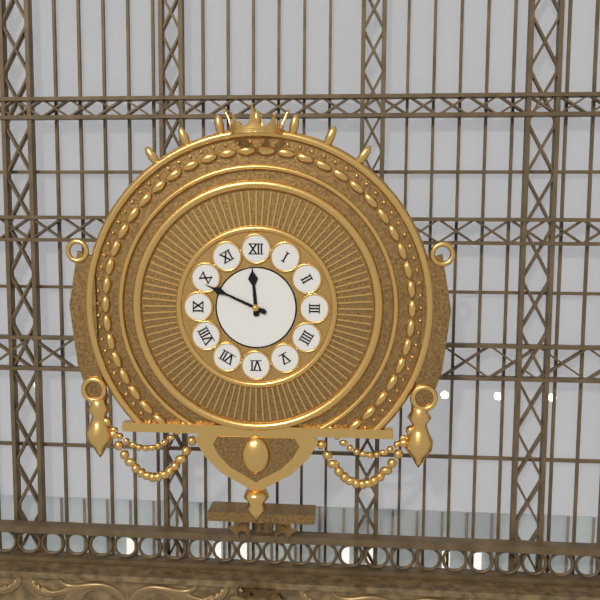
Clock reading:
**11:49**
